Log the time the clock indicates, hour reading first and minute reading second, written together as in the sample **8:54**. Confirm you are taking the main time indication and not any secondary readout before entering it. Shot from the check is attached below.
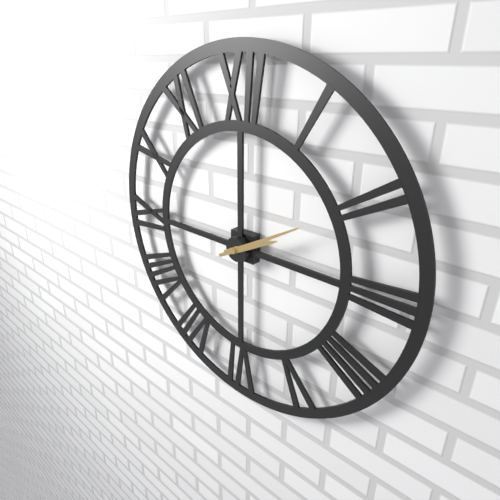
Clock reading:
**2:10**
